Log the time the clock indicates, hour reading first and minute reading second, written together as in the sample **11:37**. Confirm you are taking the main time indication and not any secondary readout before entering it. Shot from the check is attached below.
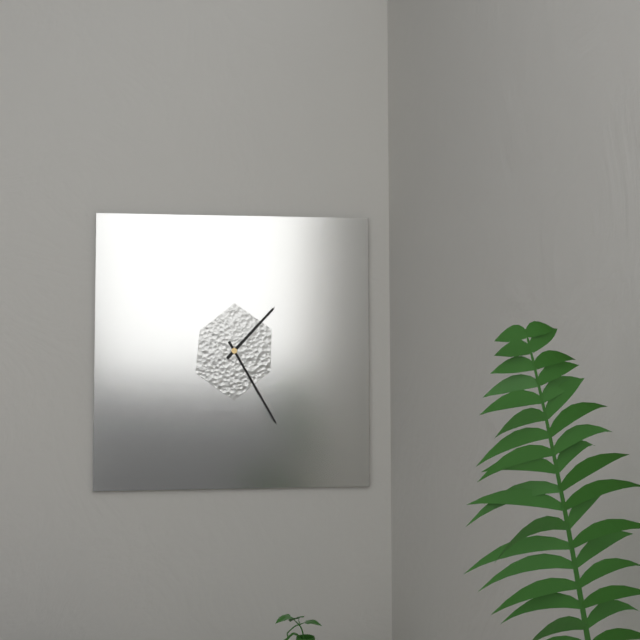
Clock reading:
**1:25**
